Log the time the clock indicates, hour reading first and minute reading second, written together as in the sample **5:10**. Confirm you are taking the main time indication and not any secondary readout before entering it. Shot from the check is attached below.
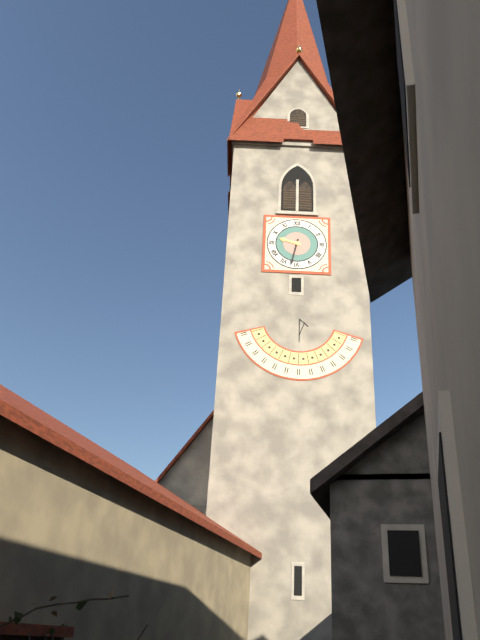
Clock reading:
**9:32**
